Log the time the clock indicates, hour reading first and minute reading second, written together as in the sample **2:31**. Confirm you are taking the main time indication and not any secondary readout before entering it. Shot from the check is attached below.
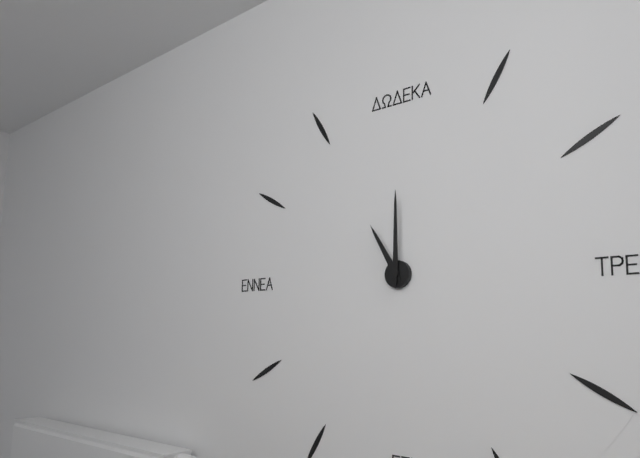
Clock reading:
**11:00**
